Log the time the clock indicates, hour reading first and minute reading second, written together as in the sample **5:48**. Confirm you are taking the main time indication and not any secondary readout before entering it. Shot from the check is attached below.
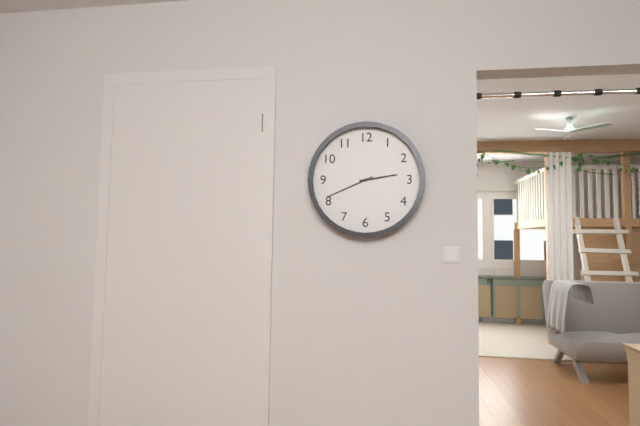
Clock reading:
**2:41**
